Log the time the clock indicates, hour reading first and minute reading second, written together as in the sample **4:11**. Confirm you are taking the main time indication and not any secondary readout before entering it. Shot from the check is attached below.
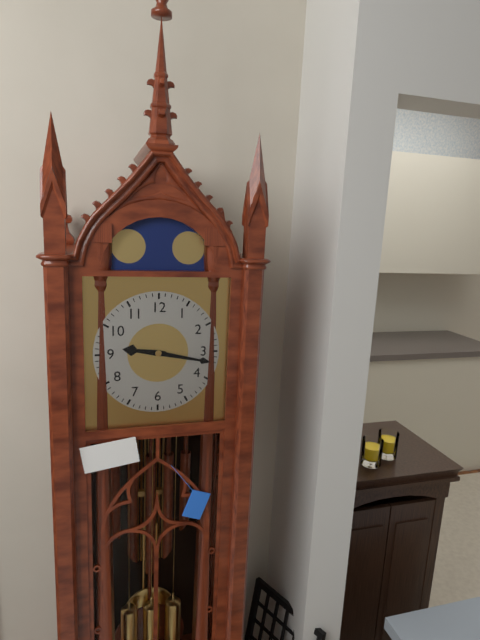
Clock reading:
**9:17**
